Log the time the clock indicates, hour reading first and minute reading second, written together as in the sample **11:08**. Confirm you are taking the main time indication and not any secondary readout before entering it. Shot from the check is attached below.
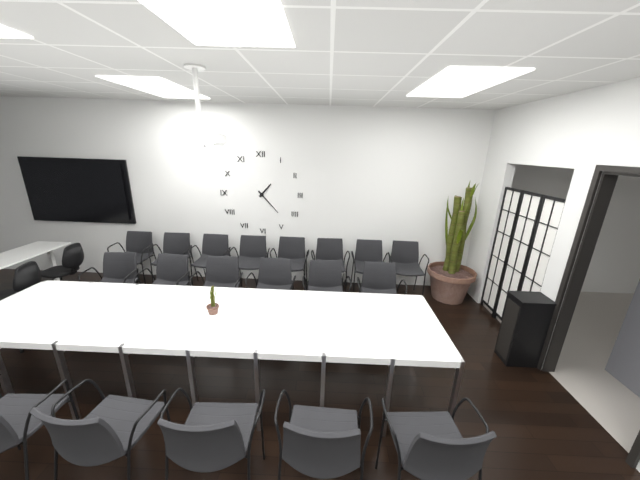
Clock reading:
**1:23**
